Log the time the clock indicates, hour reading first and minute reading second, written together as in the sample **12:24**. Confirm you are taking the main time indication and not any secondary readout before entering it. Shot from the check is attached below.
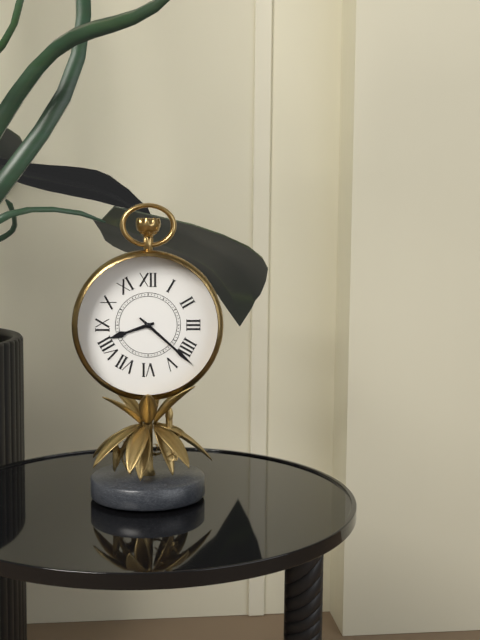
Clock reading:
**8:22**
